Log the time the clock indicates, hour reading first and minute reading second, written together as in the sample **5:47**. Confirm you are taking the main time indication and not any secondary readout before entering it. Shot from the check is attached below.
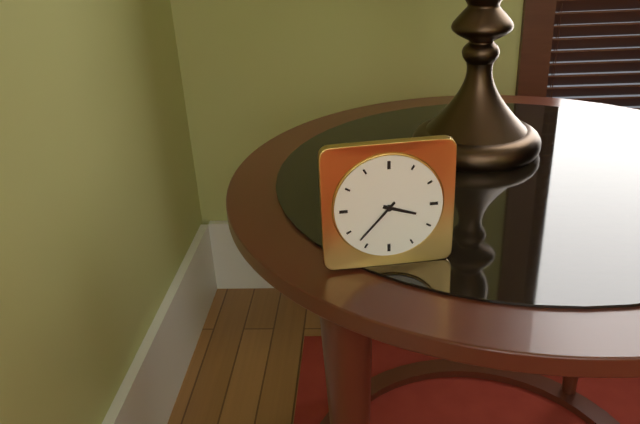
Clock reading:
**3:37**
